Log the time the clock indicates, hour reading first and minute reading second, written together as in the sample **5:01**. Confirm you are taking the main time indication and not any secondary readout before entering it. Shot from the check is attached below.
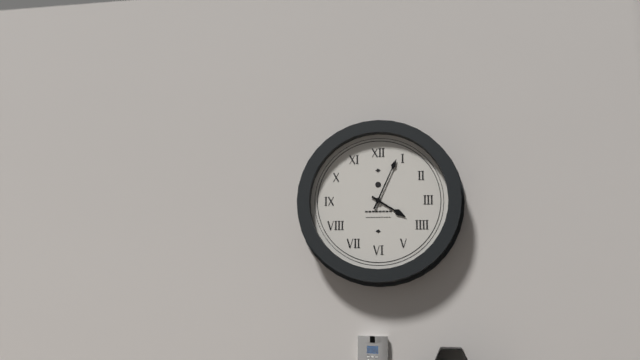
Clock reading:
**4:04**
